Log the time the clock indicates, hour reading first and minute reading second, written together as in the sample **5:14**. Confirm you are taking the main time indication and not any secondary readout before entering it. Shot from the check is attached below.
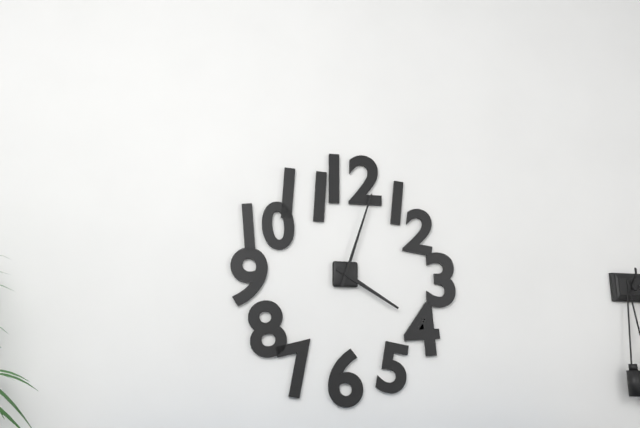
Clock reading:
**4:03**
